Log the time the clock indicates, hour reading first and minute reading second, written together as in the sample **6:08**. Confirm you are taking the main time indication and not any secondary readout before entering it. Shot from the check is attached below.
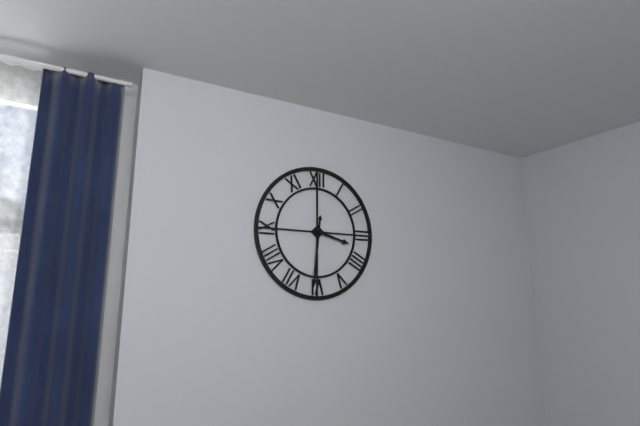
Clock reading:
**3:31**
